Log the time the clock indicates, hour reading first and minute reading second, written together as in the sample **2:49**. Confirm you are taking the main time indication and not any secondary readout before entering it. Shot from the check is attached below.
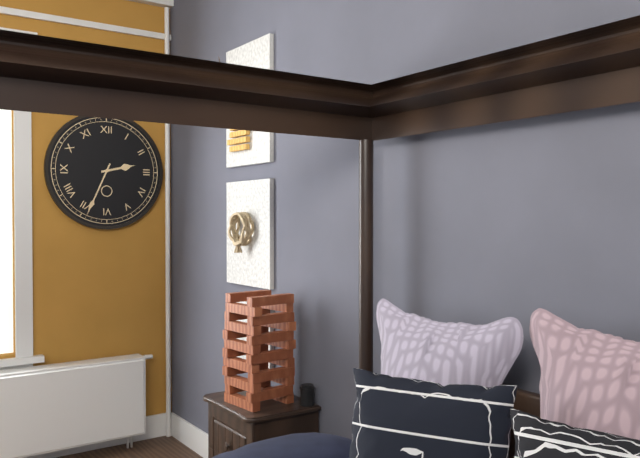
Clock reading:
**2:34**
